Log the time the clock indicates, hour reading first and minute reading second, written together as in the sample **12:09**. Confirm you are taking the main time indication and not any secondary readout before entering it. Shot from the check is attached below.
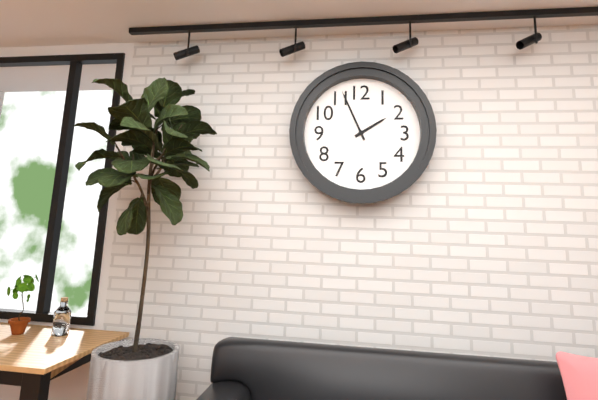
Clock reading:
**1:56**
